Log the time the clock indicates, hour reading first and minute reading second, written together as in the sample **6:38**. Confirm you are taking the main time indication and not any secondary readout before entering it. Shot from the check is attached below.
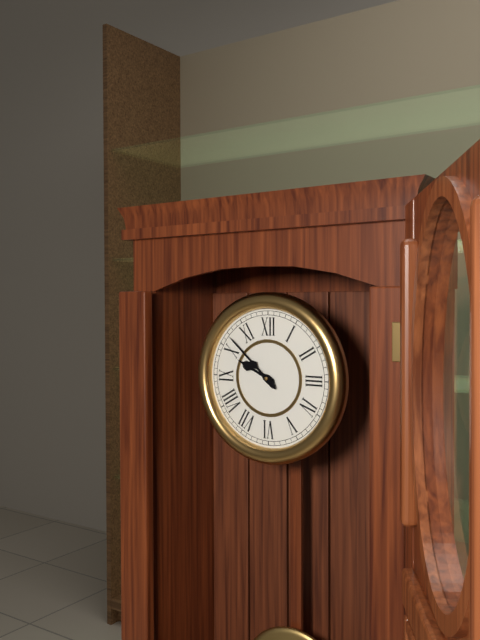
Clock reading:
**9:52**
